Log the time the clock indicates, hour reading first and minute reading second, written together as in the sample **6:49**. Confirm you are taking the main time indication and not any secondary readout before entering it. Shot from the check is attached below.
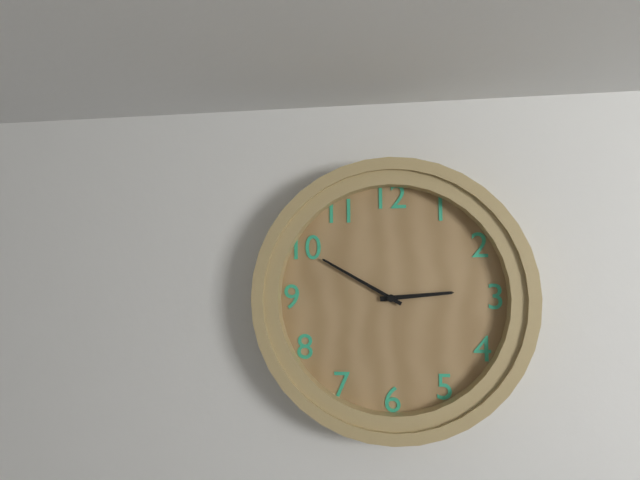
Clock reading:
**2:50**
